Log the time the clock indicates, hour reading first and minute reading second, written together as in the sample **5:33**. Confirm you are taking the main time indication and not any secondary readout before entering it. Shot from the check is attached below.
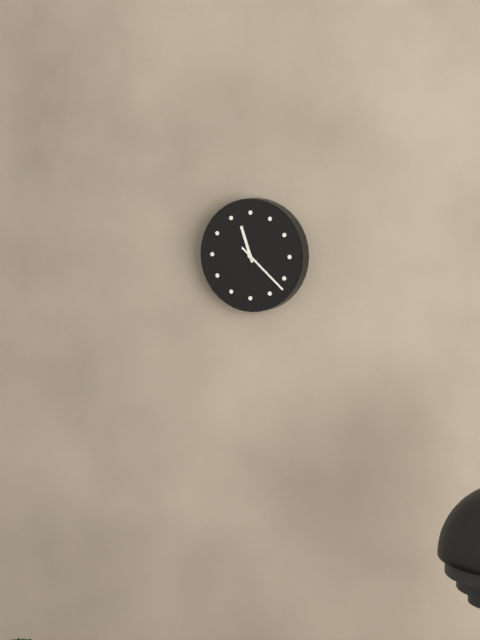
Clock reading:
**11:22**
